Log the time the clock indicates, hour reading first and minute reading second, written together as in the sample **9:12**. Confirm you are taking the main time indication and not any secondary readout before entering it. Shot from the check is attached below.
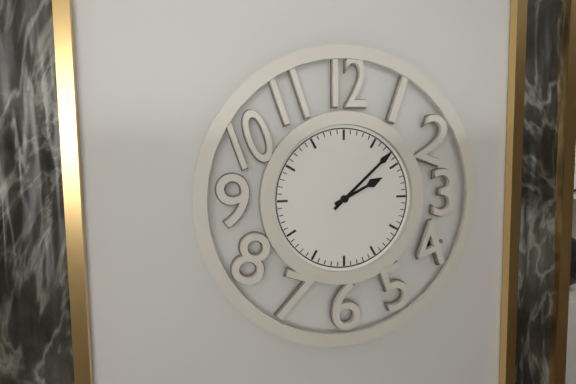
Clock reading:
**2:08**
